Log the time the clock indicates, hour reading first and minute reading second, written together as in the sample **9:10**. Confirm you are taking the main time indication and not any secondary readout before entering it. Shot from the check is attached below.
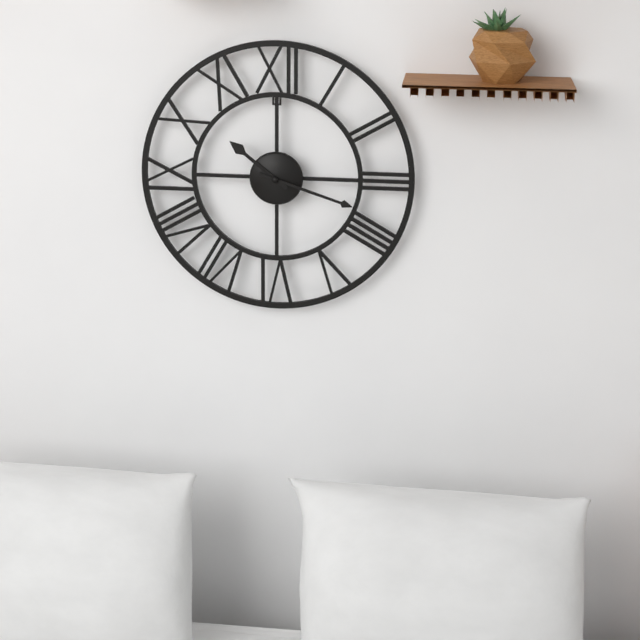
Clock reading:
**10:18**
